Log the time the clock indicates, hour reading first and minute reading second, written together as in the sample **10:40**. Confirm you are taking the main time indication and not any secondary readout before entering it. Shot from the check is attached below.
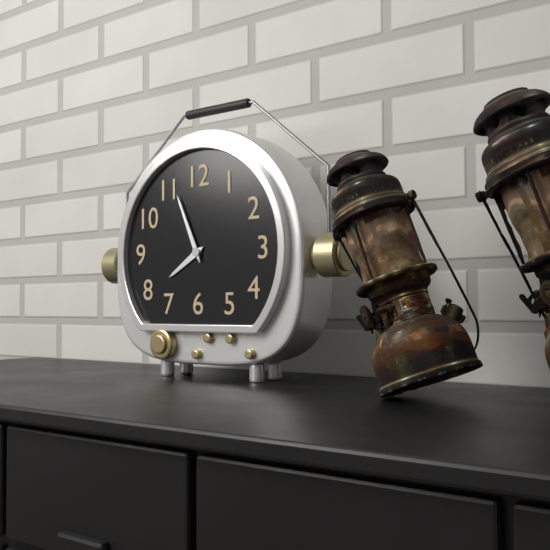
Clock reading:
**7:56**
